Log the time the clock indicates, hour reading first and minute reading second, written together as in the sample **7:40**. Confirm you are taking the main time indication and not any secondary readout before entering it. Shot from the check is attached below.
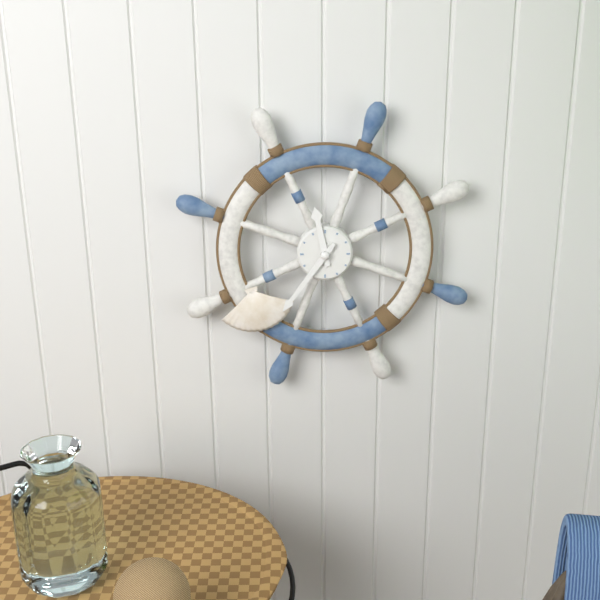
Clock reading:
**11:36**
